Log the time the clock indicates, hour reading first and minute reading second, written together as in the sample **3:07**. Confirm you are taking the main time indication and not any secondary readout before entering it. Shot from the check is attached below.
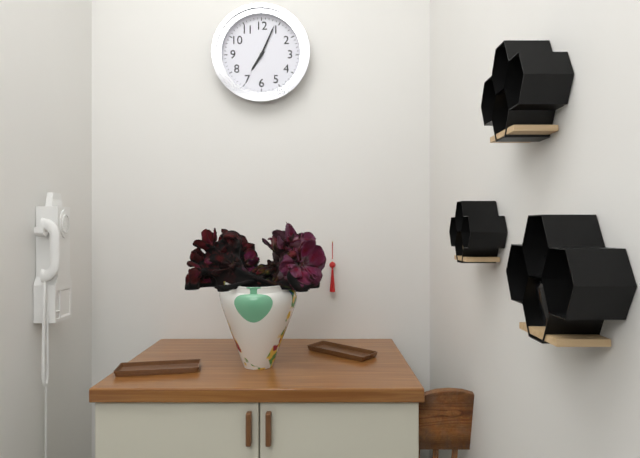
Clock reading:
**7:04**
